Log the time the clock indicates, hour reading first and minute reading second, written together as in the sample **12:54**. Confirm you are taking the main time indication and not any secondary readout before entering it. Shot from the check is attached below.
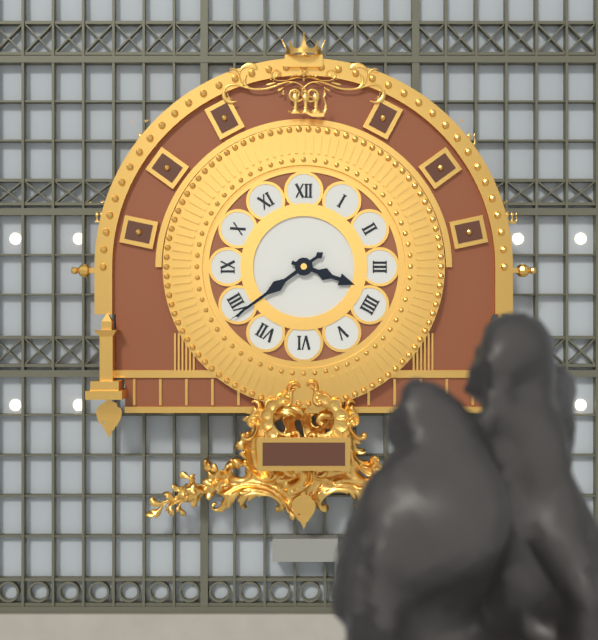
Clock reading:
**3:39**
